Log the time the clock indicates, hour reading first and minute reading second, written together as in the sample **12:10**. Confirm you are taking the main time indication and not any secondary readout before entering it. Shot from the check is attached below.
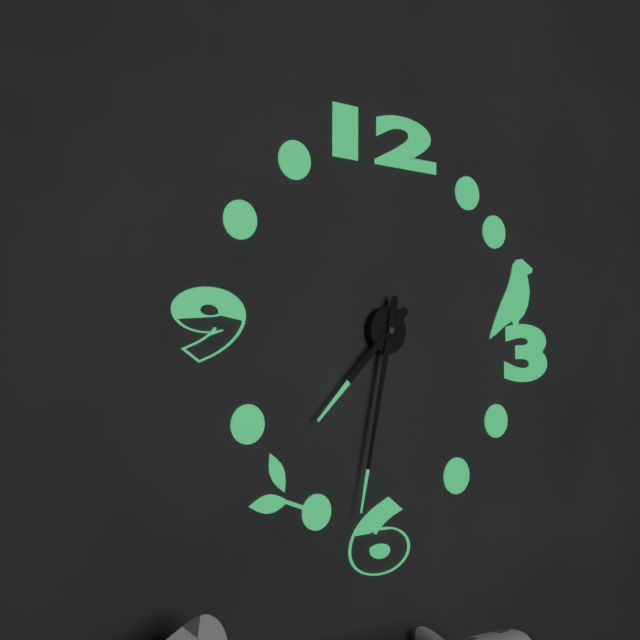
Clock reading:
**7:32**
